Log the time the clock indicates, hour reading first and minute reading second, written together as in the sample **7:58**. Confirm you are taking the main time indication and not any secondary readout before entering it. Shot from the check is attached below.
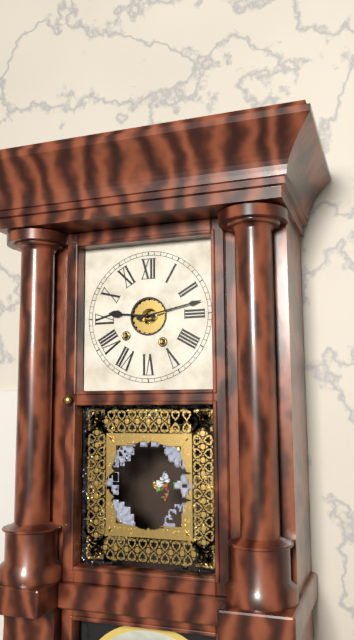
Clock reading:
**9:13**
